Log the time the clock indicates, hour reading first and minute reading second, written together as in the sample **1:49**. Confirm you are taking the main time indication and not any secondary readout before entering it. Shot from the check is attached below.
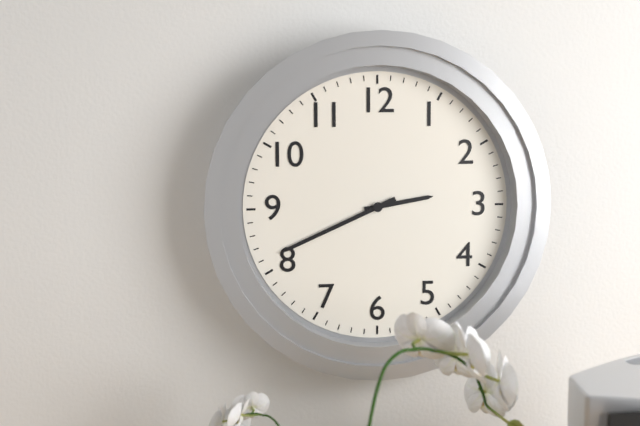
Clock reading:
**2:41**
